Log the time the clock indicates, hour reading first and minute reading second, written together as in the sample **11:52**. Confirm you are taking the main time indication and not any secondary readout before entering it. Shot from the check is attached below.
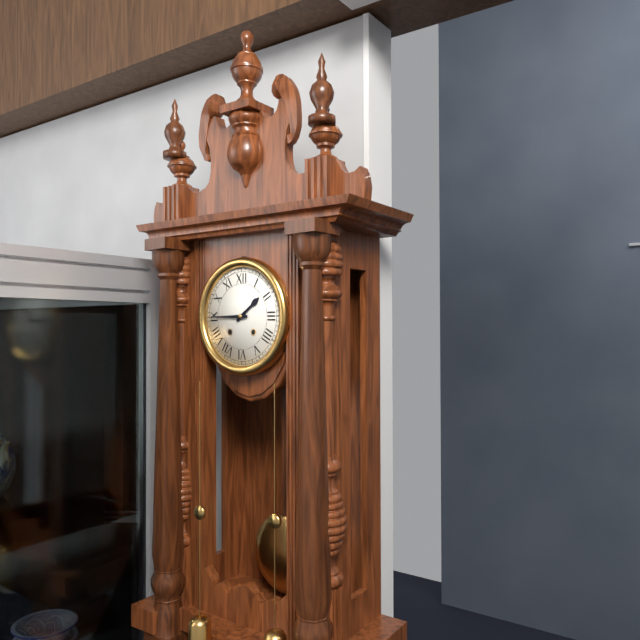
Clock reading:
**1:45**
